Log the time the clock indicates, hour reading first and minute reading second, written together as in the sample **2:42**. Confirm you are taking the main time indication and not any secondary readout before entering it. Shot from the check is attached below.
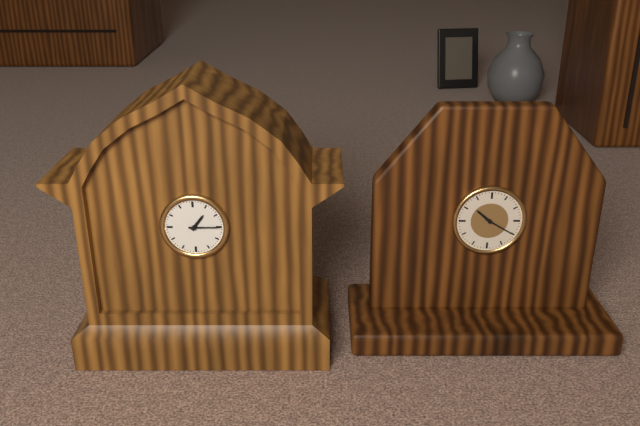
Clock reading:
**1:15**
